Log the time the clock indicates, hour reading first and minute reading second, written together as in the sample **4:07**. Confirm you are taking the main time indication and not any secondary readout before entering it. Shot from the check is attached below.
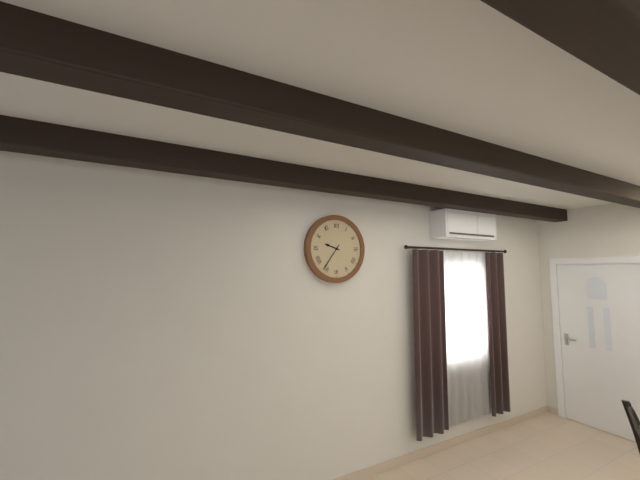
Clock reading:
**9:36**
